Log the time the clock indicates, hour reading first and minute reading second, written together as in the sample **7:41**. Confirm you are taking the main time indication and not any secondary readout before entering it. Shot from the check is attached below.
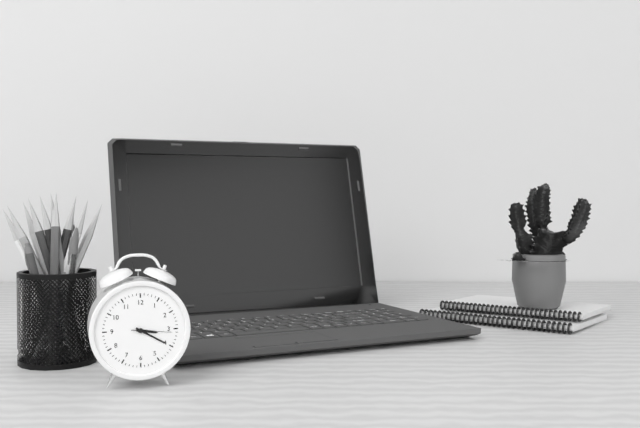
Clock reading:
**3:20**
